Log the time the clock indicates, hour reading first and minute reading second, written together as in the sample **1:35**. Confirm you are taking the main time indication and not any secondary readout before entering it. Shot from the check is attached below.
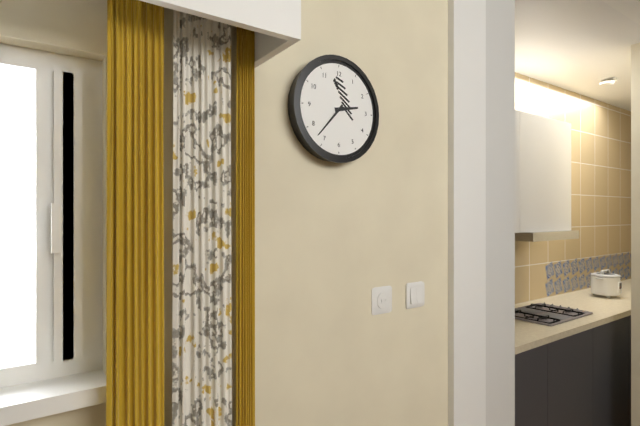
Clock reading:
**2:37**
